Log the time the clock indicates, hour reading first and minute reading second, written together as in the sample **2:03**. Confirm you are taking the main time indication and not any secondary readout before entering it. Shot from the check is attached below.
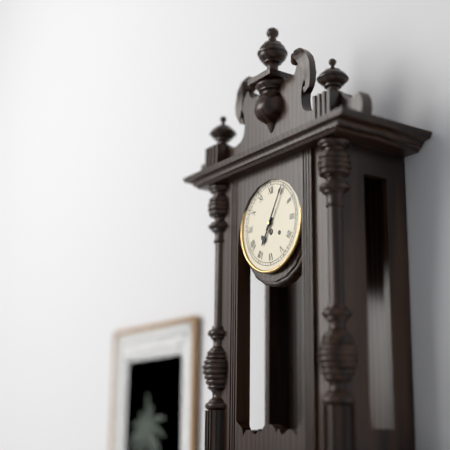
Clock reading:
**7:05**
